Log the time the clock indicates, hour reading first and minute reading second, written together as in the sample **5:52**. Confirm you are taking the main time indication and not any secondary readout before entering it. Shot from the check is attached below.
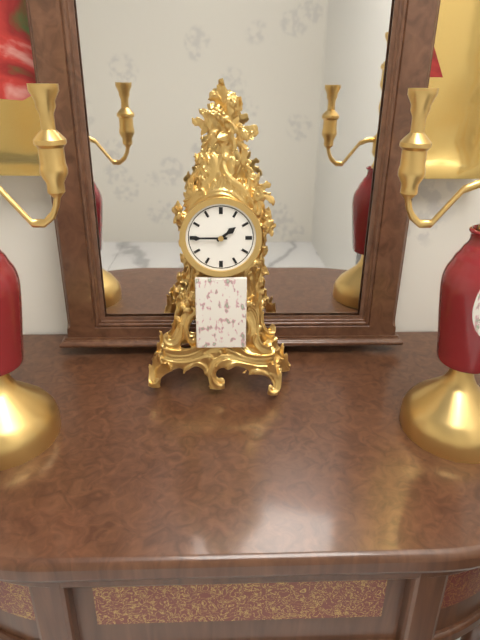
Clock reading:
**1:45**
